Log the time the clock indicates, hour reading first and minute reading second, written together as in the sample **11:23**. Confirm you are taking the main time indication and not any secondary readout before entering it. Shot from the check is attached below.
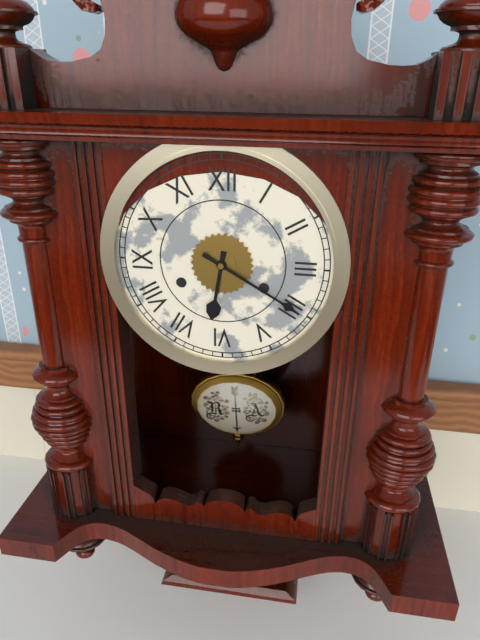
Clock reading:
**6:20**
